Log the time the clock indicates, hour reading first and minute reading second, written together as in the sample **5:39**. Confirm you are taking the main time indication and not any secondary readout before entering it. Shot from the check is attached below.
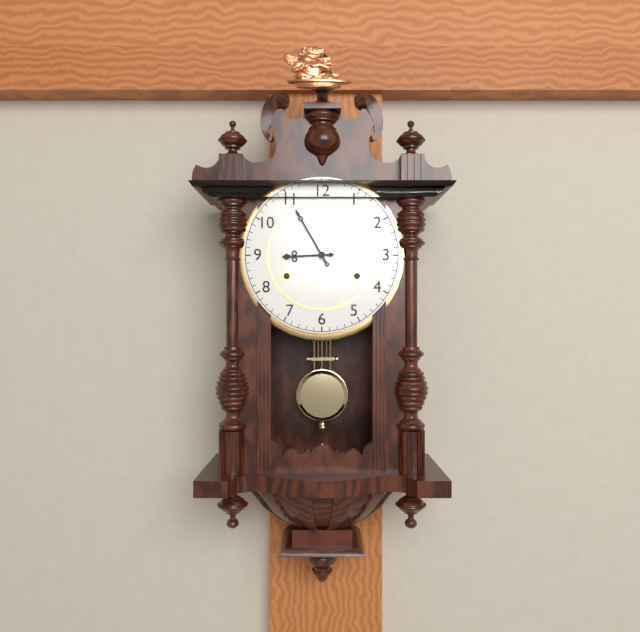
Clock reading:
**8:55**
